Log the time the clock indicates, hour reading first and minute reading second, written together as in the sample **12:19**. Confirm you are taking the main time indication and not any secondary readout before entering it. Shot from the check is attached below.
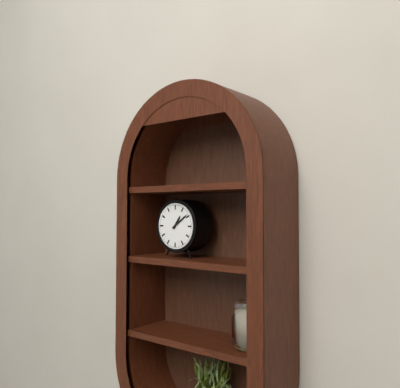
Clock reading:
**1:09**
